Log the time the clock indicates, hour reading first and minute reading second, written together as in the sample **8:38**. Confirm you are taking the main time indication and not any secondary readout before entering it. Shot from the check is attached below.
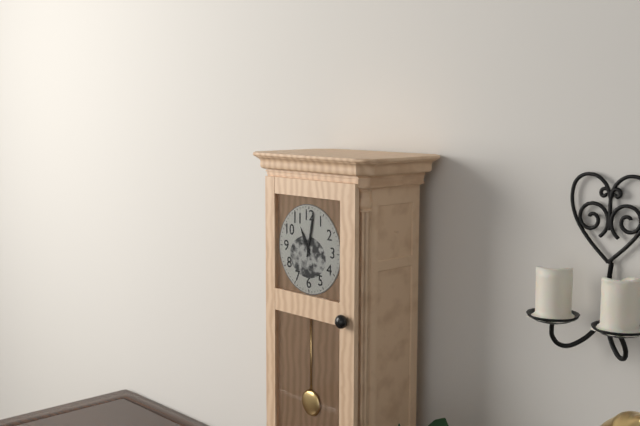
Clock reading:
**11:02**
